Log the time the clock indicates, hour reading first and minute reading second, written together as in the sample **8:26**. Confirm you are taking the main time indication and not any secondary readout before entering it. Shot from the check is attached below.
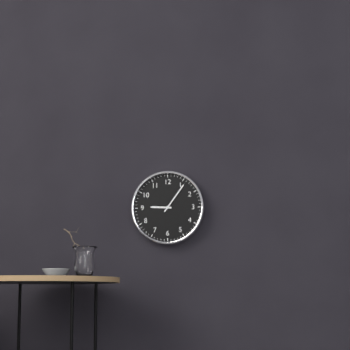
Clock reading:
**9:06**
